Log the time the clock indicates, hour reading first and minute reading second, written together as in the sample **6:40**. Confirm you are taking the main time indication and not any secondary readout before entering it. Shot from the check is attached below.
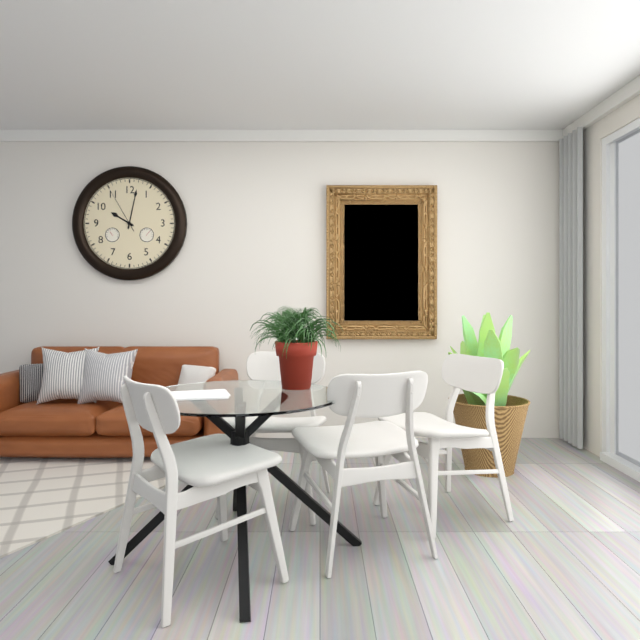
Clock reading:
**10:02**
